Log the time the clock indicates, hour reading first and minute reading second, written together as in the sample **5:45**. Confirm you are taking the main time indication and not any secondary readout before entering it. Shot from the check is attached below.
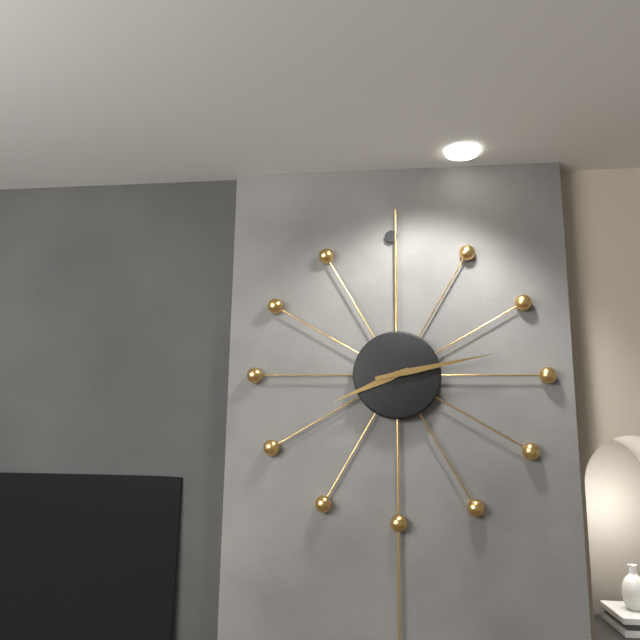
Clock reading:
**8:13**
